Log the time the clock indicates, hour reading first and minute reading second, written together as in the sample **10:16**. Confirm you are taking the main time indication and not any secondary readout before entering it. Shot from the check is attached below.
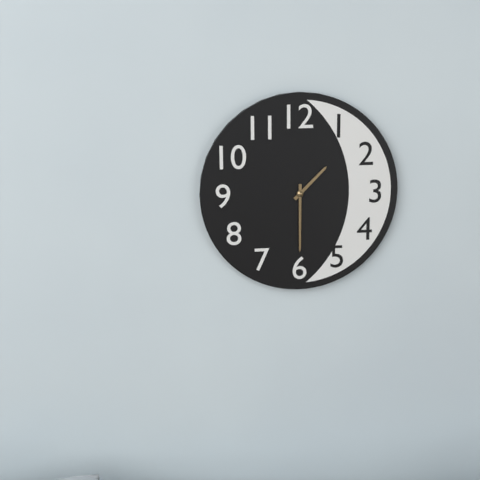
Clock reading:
**1:30**
